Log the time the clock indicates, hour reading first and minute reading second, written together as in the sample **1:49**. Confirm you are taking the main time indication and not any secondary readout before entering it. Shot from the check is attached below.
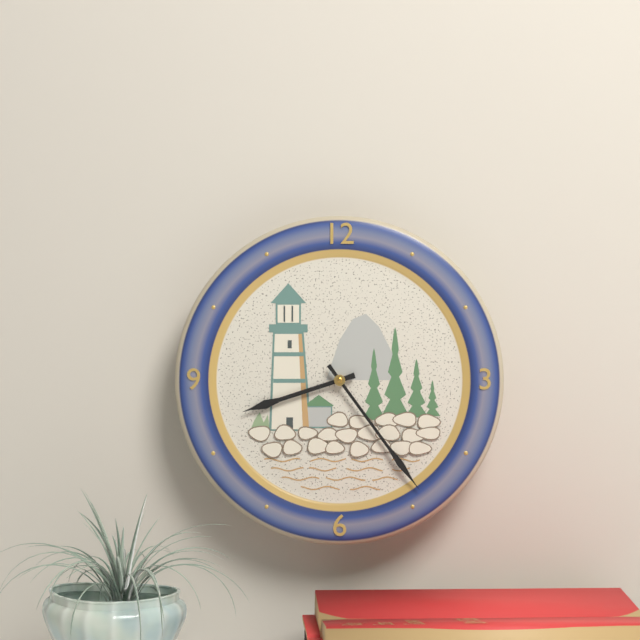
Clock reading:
**8:24**
